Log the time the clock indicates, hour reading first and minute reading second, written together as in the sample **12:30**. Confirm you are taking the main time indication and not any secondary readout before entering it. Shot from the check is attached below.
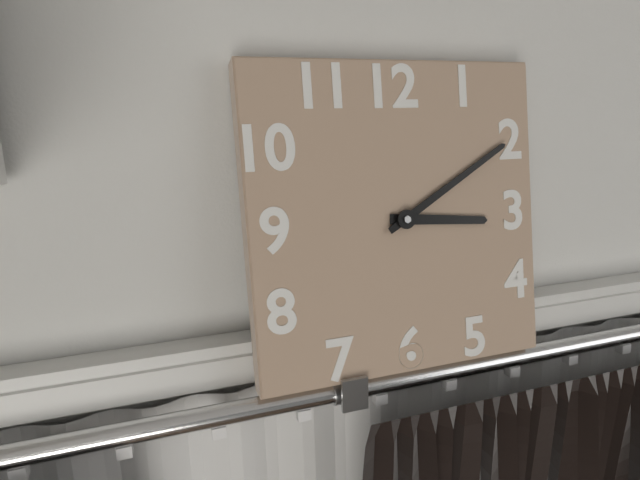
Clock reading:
**3:10**
